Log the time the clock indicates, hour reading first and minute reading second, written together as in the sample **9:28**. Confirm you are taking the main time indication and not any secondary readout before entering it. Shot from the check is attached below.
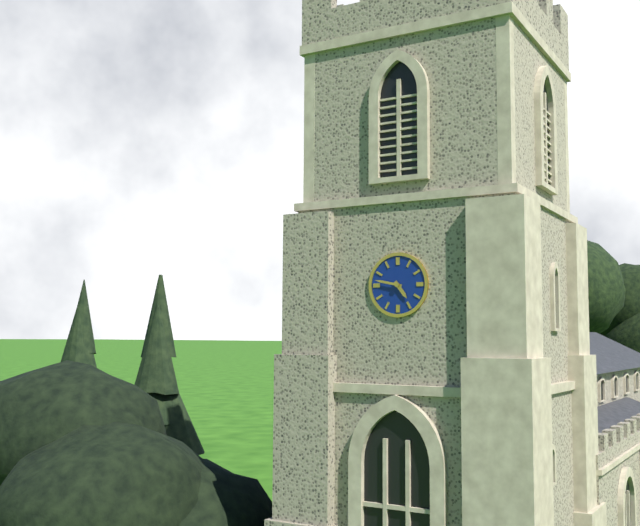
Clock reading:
**4:47**
